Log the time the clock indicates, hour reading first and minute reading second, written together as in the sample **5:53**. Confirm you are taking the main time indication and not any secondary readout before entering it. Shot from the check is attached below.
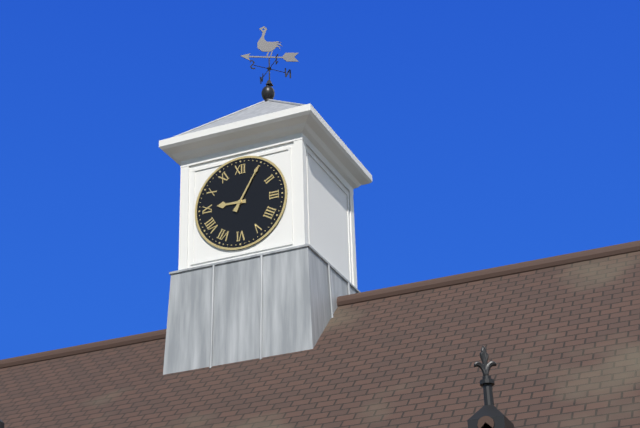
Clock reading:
**9:05**
